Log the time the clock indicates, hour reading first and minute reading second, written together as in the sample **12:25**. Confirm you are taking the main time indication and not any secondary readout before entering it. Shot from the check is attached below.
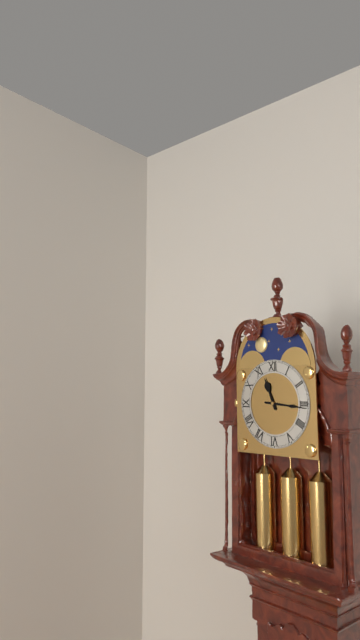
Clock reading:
**11:16**
